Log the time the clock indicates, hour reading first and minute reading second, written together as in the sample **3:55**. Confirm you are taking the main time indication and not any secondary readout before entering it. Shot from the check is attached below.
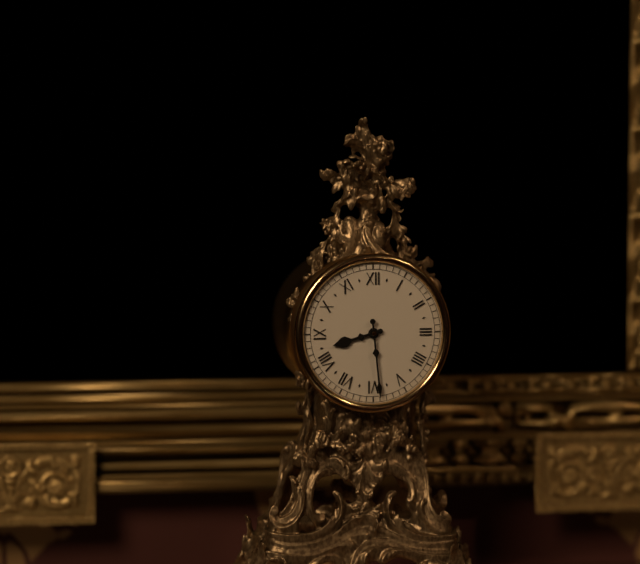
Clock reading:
**8:29**
